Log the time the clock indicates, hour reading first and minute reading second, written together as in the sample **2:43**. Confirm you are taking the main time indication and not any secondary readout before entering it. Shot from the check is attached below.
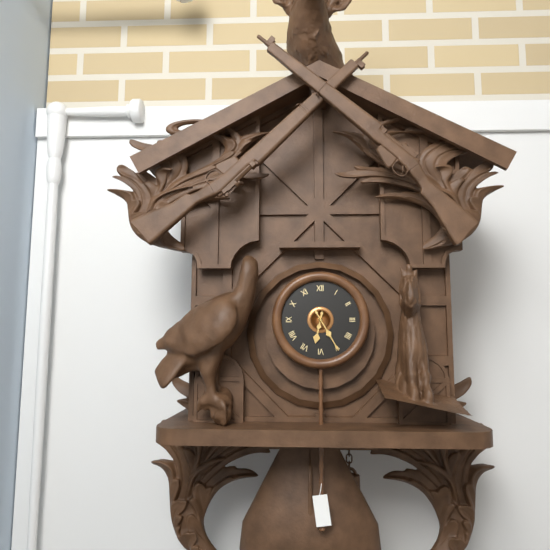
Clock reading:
**6:25**
